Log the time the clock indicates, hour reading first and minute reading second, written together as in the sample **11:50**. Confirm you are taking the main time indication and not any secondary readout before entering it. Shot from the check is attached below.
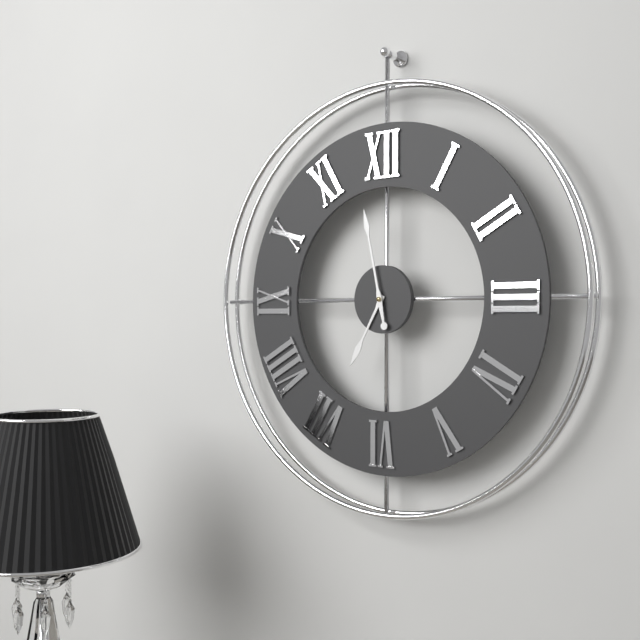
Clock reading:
**6:58**
